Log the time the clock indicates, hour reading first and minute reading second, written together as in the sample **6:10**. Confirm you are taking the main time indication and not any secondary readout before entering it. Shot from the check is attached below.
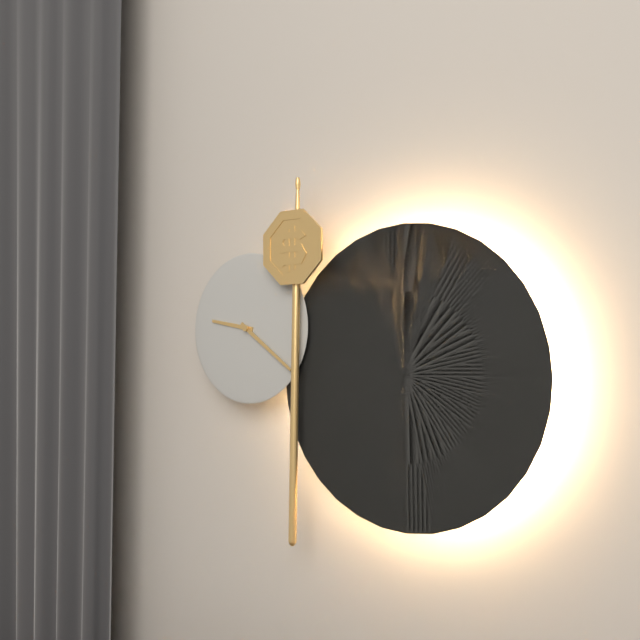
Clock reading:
**9:21**
